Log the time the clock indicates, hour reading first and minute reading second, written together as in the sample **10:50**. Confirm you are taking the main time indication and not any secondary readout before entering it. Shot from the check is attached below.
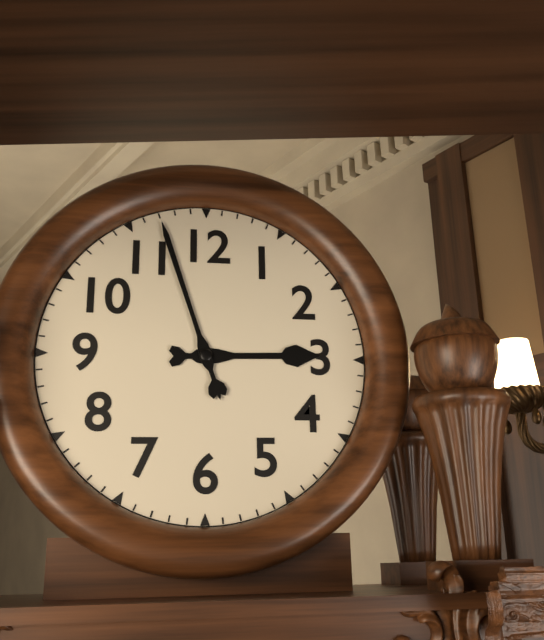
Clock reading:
**2:57**
